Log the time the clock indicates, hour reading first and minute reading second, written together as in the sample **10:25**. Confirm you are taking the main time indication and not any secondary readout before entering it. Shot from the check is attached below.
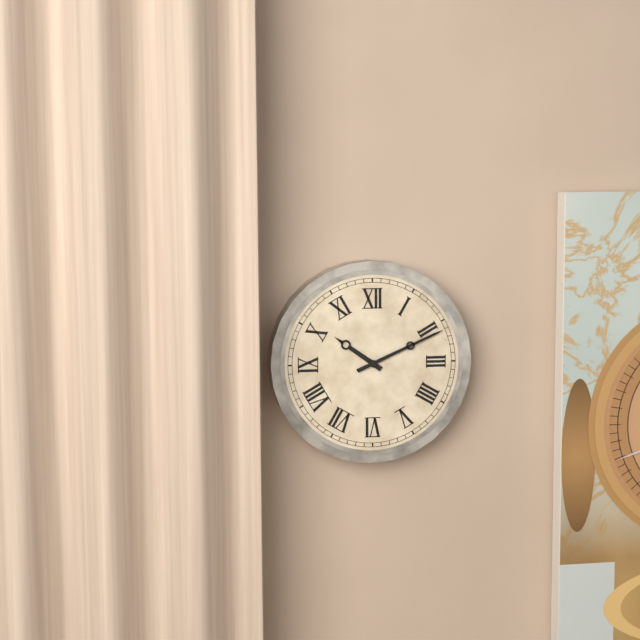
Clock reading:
**10:11**
